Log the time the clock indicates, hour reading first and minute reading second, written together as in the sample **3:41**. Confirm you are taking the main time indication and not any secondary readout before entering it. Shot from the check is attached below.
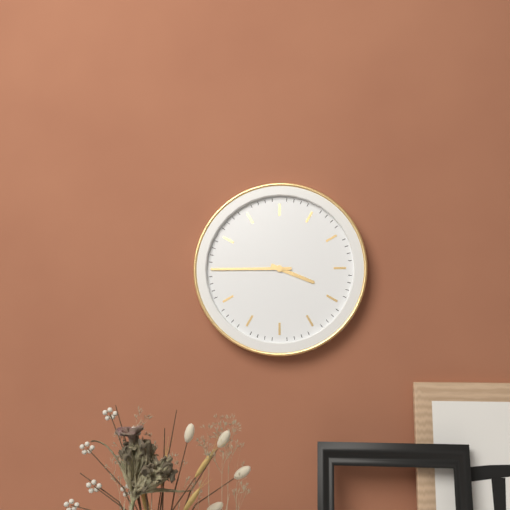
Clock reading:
**3:45**
